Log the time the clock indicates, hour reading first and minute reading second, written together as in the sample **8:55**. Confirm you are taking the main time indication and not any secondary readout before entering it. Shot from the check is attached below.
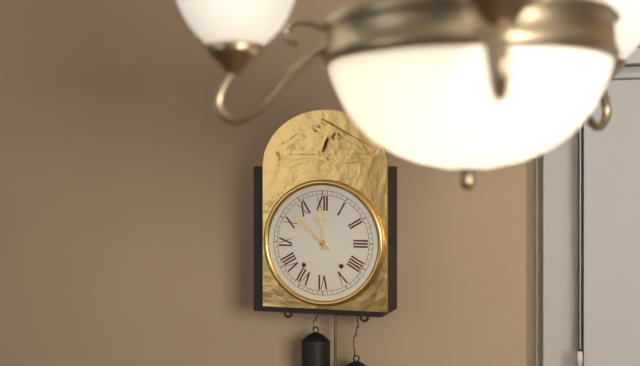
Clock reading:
**11:52**
